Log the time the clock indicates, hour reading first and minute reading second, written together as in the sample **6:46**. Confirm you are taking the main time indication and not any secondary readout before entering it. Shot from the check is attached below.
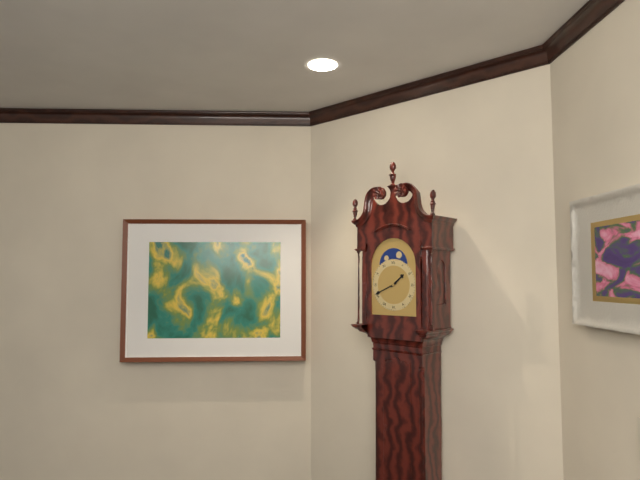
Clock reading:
**1:41**
